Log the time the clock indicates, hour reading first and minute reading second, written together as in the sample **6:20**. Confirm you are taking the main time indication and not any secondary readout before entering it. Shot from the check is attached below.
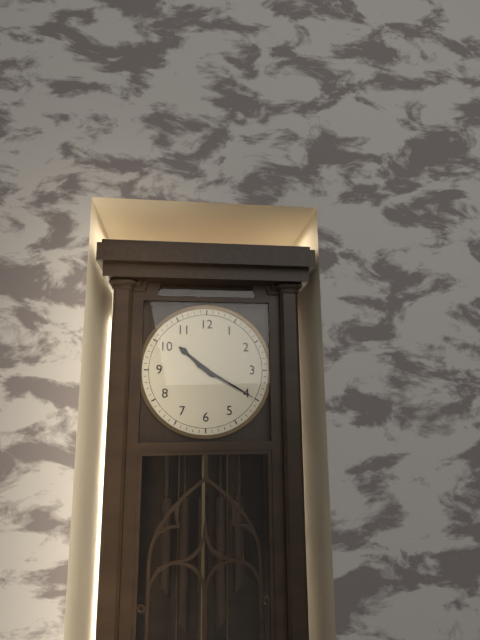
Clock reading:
**10:20**
